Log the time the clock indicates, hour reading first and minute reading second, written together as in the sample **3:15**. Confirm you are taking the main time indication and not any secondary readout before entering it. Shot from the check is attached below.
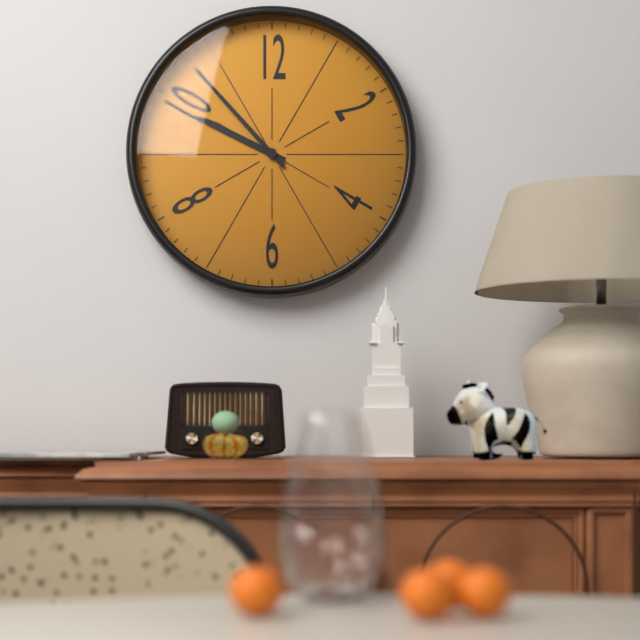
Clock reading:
**9:53**
